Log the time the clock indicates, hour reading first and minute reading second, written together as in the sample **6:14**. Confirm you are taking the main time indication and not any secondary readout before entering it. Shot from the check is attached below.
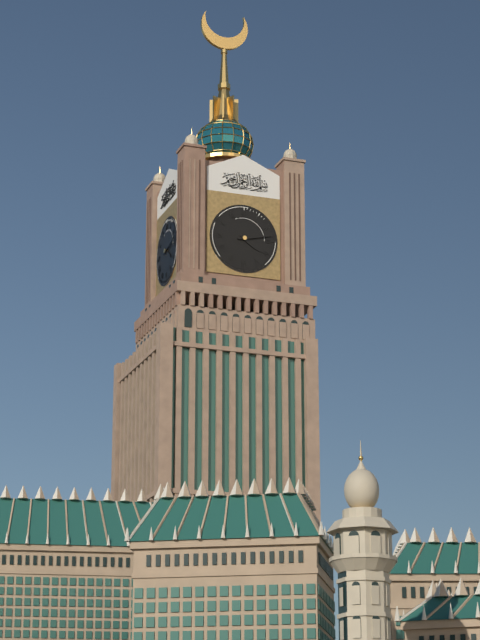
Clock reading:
**4:13**
